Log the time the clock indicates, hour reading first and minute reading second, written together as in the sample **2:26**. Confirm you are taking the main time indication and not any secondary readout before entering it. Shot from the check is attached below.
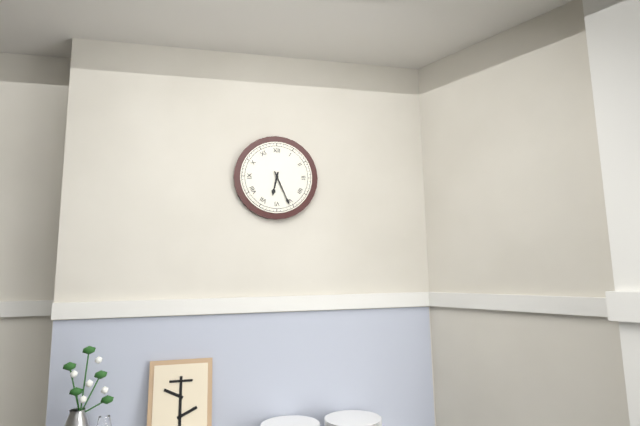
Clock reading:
**6:26**
